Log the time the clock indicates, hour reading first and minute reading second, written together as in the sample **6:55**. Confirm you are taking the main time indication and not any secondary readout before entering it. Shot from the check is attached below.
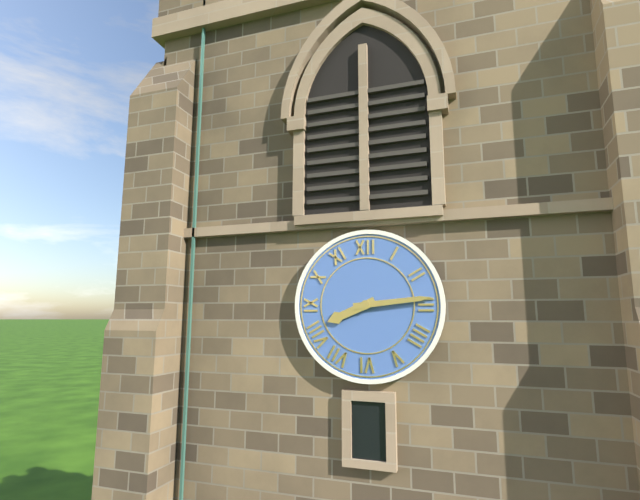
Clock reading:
**8:14**
